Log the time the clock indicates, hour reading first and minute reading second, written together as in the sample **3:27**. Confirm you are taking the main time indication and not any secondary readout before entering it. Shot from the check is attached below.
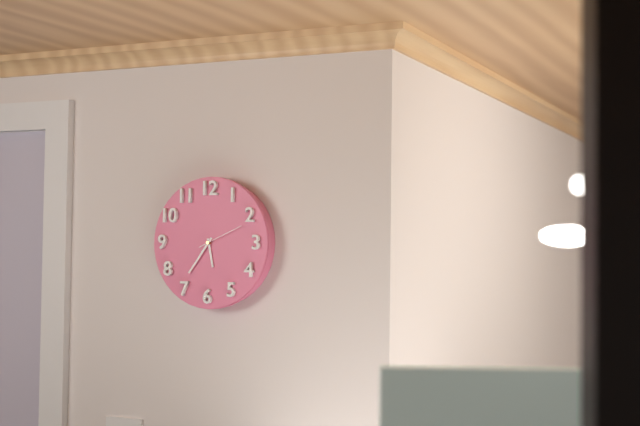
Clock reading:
**5:36**
